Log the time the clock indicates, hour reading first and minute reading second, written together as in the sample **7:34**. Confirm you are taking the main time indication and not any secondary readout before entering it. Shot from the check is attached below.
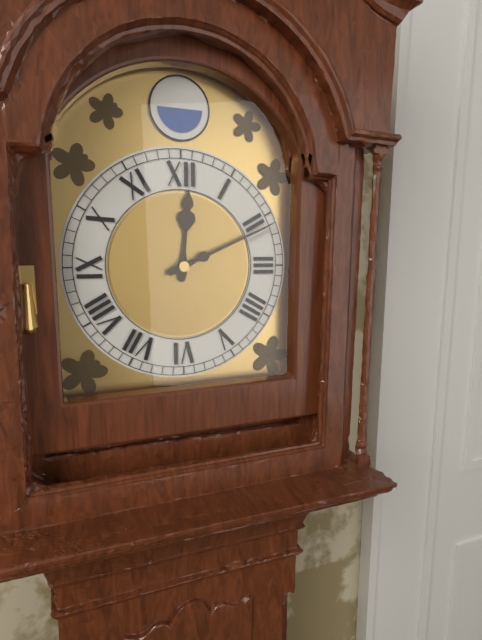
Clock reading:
**12:11**
